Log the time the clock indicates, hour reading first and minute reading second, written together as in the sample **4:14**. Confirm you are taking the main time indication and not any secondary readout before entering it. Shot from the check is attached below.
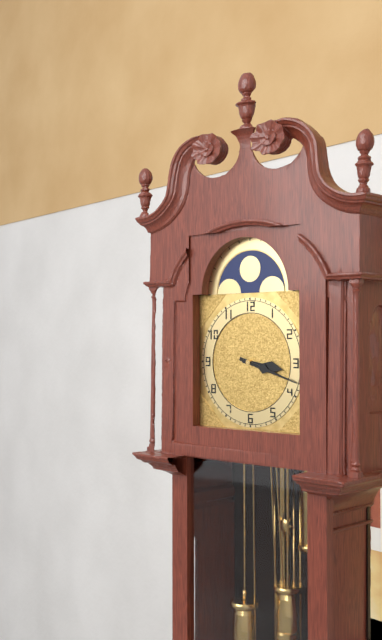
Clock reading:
**3:18**
